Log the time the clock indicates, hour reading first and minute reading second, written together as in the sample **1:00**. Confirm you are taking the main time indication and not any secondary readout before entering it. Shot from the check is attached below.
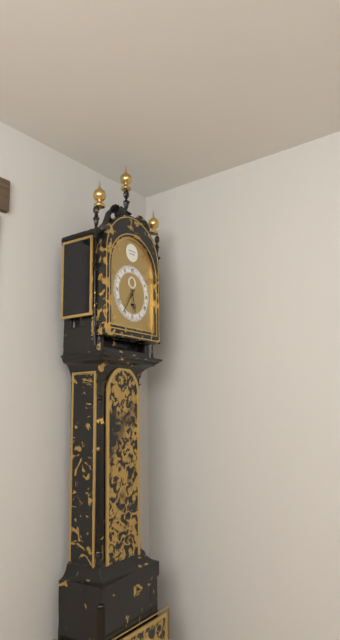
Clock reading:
**5:36**
